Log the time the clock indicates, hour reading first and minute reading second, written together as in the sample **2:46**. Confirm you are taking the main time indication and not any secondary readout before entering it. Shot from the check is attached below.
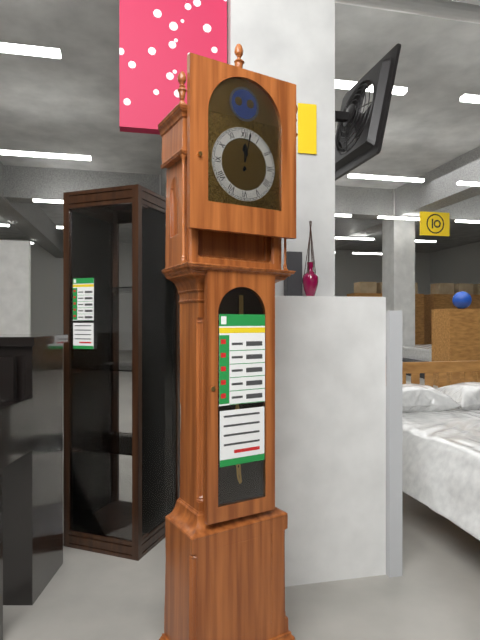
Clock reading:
**12:02**
